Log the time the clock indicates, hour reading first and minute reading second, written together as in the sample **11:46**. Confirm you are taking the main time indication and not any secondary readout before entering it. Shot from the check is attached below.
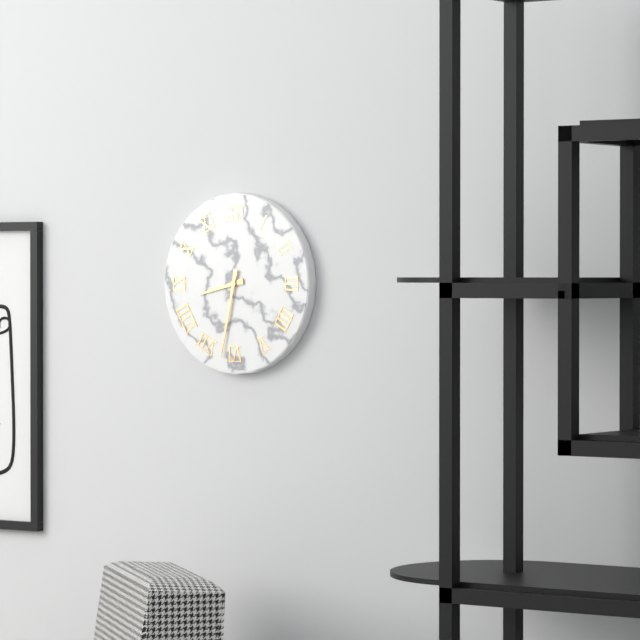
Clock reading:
**8:32**
